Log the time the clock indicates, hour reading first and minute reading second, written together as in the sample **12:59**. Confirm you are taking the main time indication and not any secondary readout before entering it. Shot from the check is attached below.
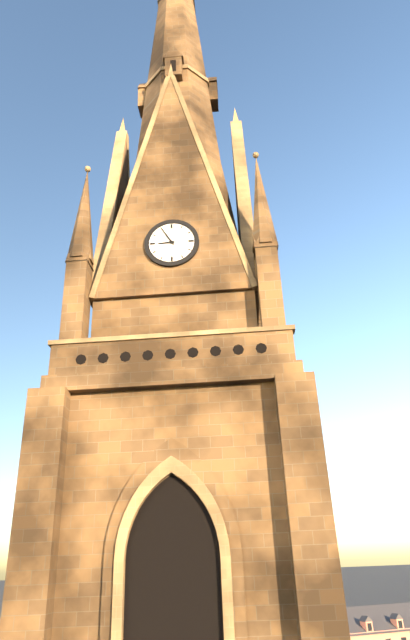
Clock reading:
**8:55**
